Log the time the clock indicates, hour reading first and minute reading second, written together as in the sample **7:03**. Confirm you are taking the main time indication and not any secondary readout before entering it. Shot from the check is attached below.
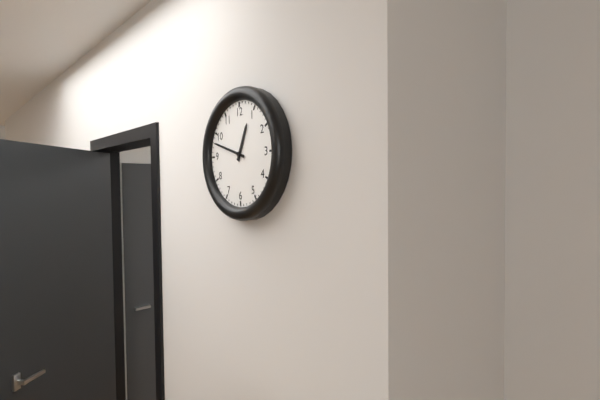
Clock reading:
**12:48**
